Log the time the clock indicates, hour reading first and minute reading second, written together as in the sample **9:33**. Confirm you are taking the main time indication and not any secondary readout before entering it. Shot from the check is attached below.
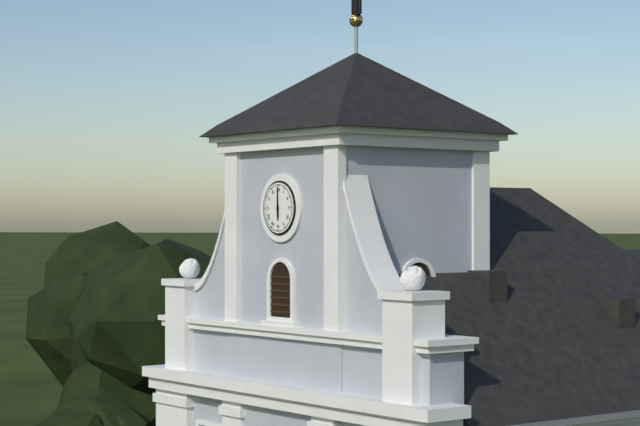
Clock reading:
**6:00**
